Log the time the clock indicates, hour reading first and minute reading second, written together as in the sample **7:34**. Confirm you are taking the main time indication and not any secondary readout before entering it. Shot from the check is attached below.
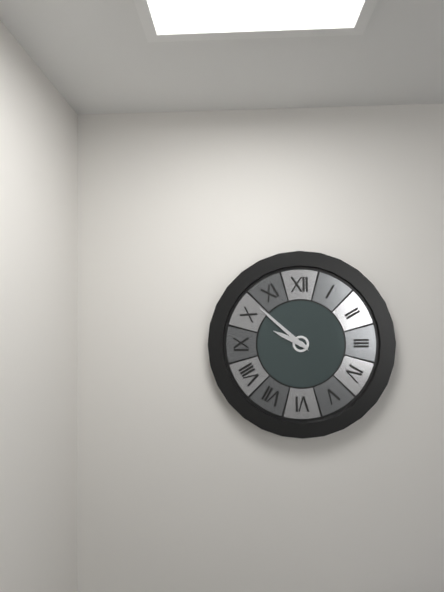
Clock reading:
**9:52**
